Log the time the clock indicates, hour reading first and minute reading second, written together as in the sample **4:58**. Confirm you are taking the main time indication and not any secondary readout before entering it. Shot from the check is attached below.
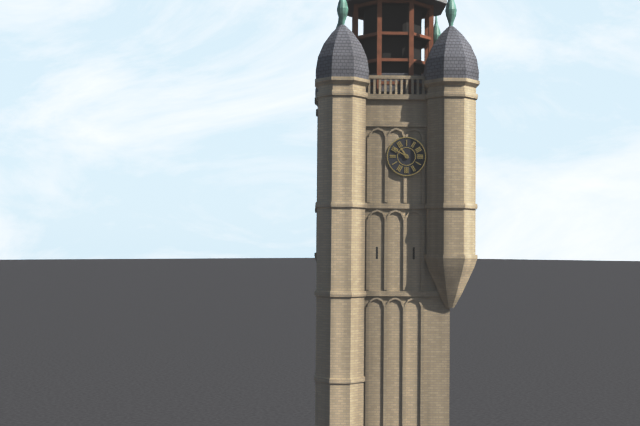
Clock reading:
**10:50**
